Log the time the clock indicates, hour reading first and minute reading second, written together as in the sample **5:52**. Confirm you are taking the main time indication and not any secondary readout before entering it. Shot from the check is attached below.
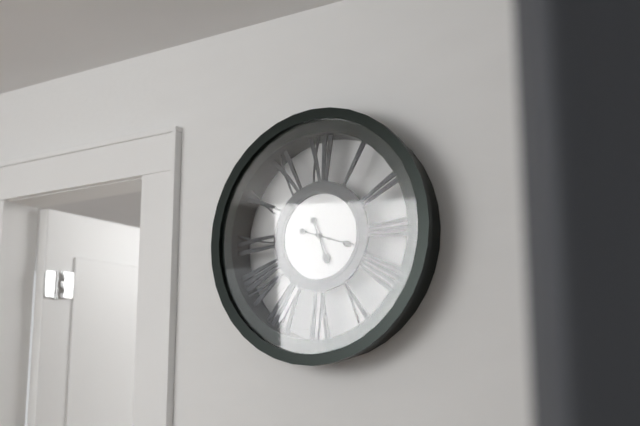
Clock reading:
**5:18**
